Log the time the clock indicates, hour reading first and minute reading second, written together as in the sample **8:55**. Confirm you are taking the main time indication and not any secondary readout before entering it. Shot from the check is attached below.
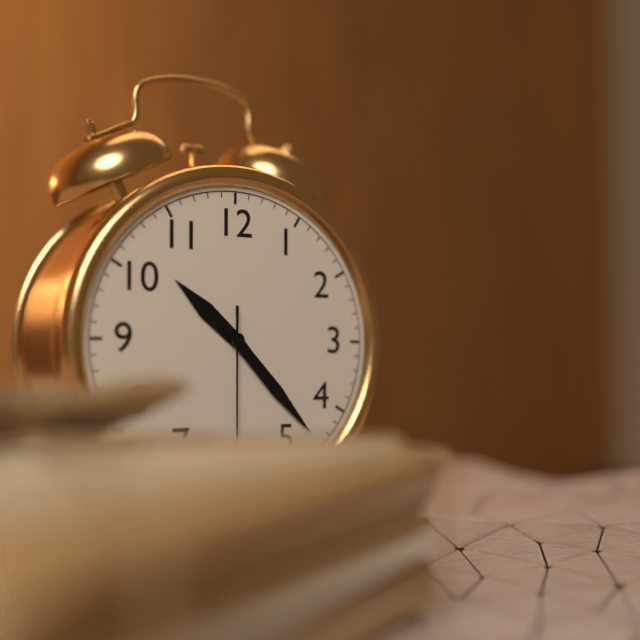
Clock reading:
**10:23**
